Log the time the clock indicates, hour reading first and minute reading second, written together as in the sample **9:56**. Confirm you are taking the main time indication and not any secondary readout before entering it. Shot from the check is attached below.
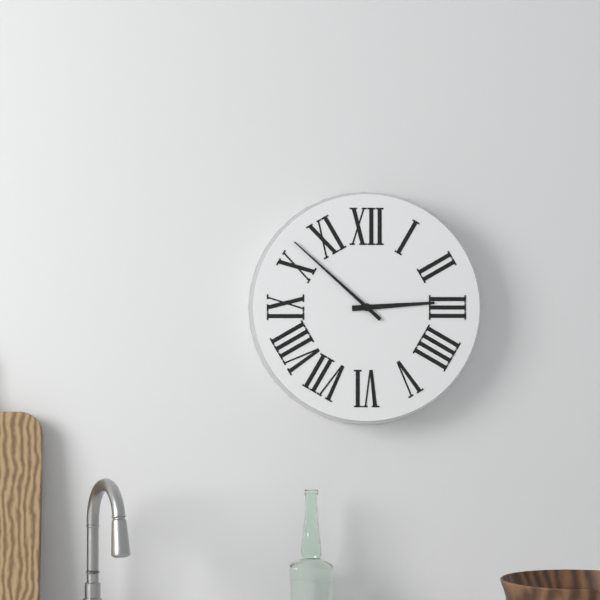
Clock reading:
**2:52**
